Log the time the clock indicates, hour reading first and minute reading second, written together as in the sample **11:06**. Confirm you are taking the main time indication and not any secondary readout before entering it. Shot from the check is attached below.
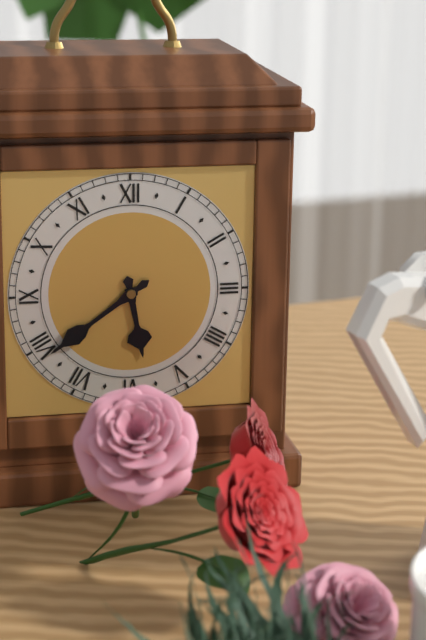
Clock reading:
**5:39**
